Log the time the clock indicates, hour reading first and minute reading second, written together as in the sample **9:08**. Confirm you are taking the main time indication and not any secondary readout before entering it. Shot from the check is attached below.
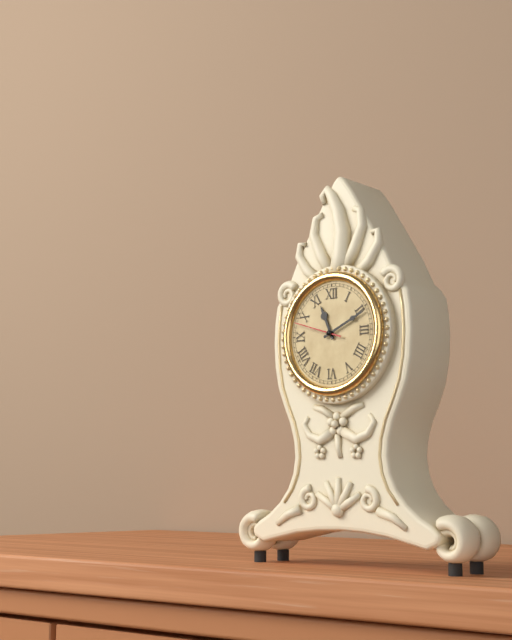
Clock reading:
**11:11**
